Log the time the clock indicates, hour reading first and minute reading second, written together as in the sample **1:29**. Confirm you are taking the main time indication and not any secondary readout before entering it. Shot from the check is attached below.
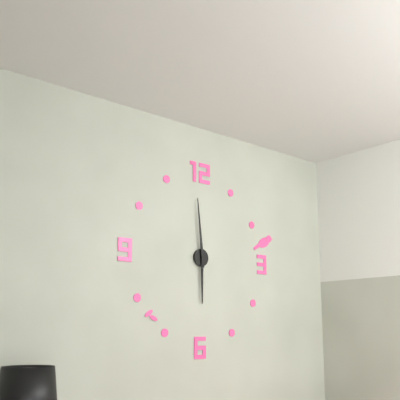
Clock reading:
**5:59**
